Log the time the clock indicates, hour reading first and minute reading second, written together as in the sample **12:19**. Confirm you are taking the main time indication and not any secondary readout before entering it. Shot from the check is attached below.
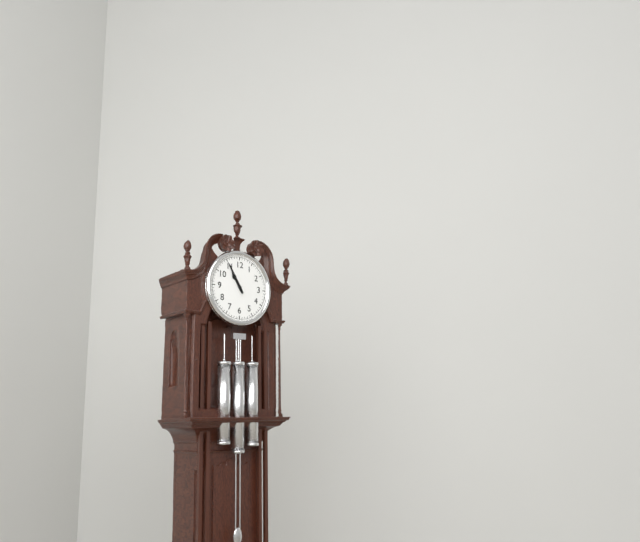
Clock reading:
**10:55**
